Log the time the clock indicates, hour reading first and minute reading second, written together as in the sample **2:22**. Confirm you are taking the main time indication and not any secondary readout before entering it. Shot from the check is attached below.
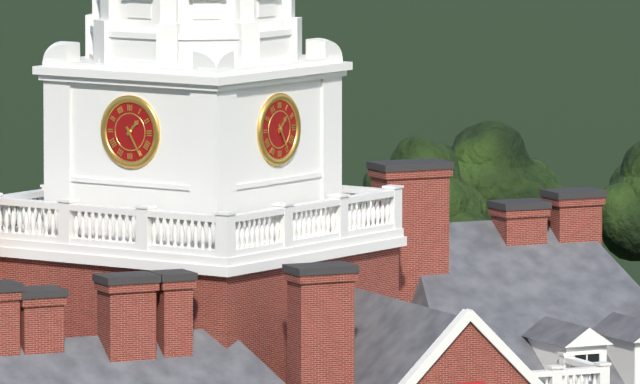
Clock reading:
**1:25**
